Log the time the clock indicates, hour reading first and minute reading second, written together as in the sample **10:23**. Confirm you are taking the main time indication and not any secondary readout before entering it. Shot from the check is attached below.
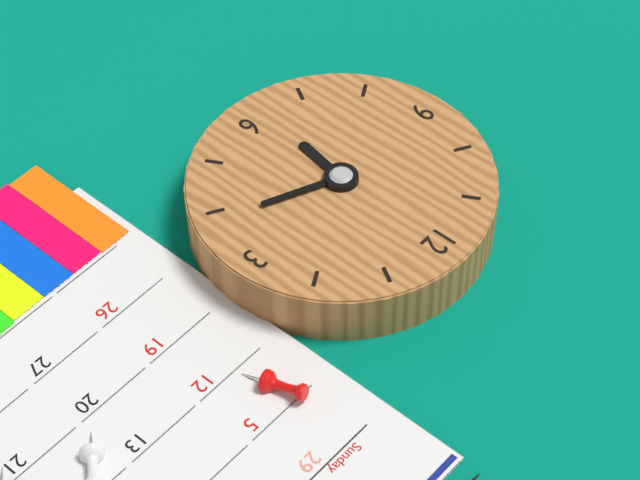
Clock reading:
**6:19**
